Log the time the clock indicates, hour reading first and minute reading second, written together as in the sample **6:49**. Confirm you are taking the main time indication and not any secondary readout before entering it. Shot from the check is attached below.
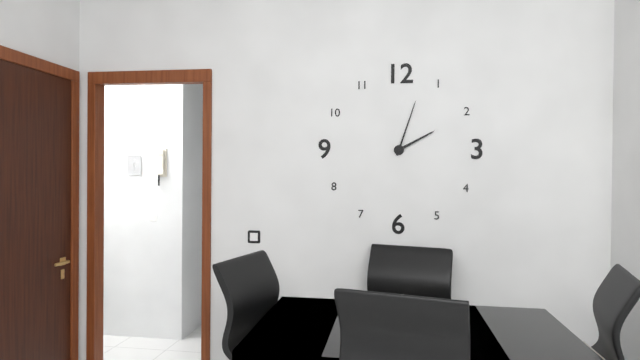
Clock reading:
**2:03**
